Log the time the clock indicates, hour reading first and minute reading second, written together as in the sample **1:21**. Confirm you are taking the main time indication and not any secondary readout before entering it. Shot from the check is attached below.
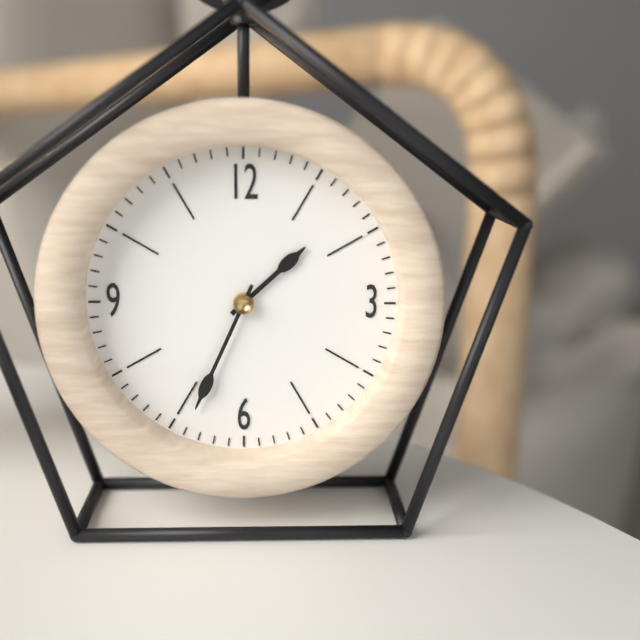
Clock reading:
**1:34**
